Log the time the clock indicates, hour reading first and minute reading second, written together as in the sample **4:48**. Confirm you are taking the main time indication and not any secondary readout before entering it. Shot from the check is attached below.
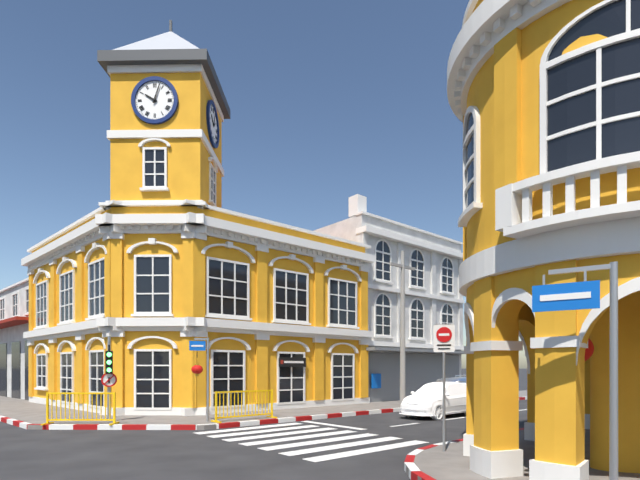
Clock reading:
**10:03**
